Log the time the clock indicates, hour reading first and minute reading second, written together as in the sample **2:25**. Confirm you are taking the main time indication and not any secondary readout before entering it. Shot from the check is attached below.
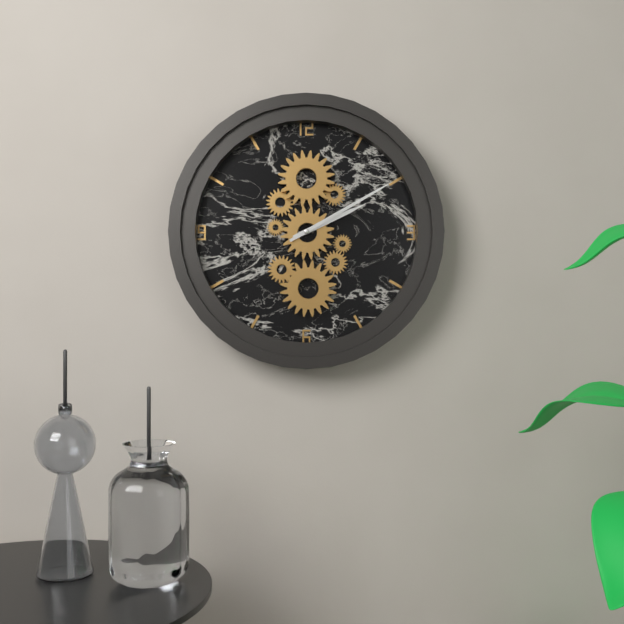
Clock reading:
**2:10**
